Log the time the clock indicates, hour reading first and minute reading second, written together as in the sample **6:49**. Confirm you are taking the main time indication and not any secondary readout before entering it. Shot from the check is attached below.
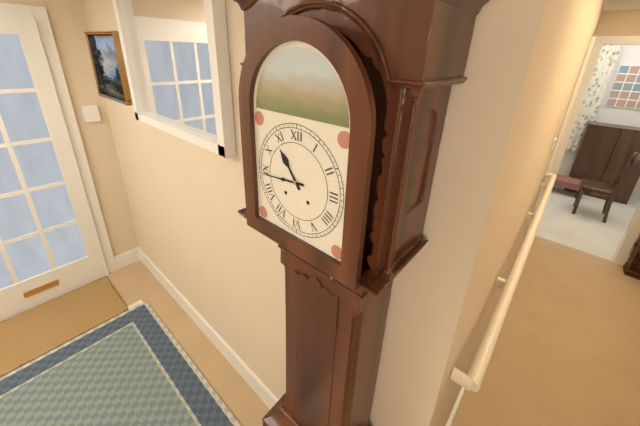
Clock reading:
**10:44**
